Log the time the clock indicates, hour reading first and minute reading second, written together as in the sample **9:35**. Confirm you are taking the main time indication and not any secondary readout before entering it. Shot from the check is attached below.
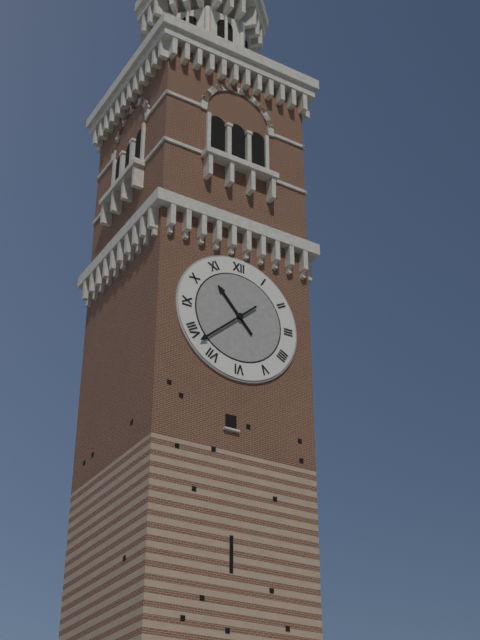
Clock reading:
**10:38**
